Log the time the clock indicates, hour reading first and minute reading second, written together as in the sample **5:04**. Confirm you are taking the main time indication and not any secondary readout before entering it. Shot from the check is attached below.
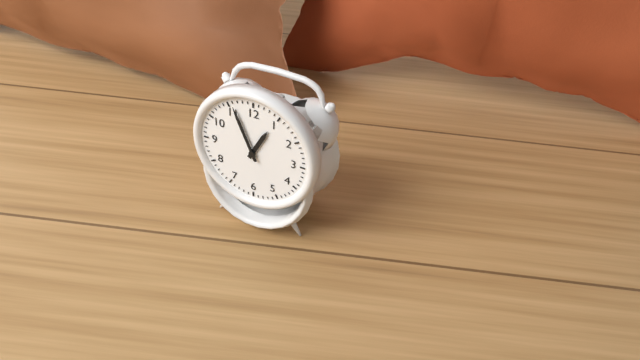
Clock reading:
**12:56**
